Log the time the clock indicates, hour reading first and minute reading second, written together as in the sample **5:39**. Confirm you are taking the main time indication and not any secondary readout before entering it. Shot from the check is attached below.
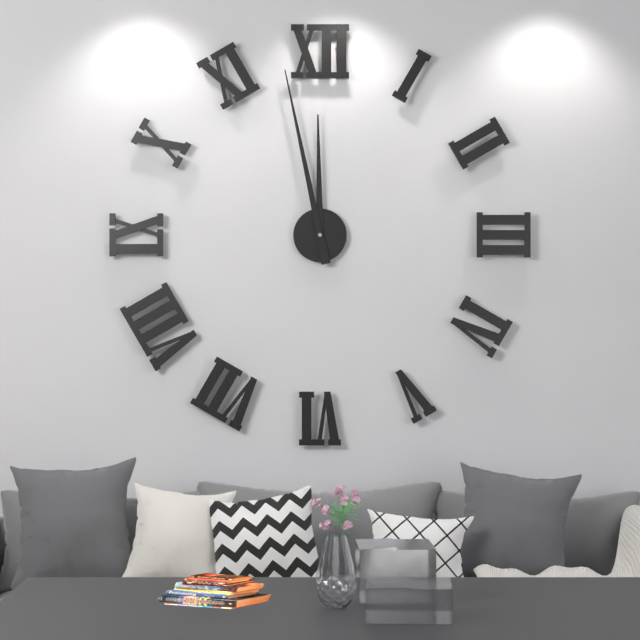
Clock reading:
**11:58**
